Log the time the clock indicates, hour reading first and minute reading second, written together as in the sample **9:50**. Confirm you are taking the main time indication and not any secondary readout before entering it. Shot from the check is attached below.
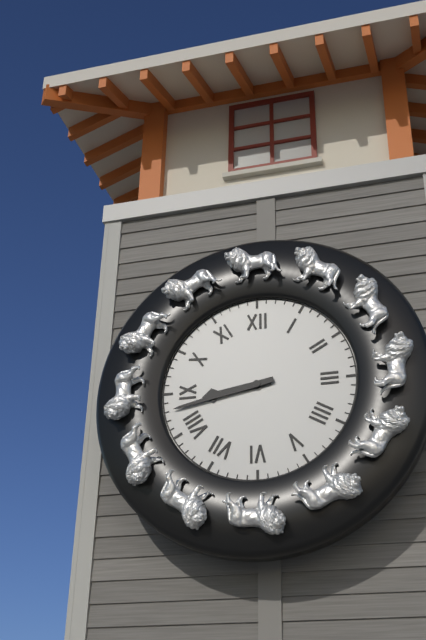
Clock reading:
**8:43**
